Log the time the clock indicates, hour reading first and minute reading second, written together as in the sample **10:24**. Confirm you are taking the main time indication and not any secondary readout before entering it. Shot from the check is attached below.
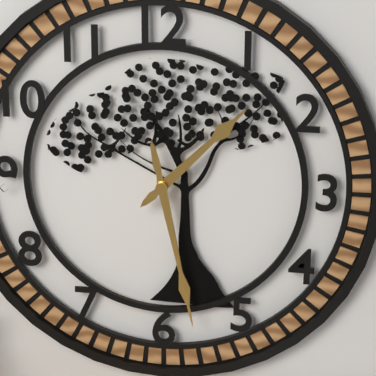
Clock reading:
**1:28**
